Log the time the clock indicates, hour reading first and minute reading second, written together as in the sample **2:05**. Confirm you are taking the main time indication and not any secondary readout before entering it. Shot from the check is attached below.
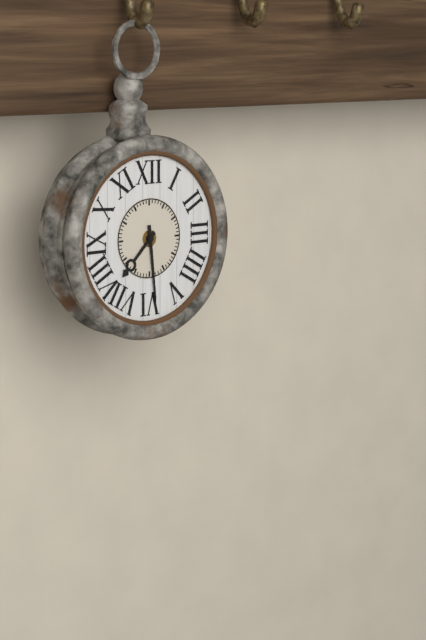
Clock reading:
**7:29**
